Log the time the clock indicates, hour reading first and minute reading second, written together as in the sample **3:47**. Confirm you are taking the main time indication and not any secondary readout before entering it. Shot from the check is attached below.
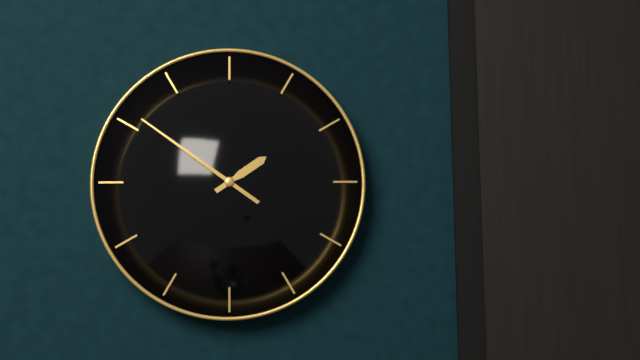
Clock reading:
**1:51**
